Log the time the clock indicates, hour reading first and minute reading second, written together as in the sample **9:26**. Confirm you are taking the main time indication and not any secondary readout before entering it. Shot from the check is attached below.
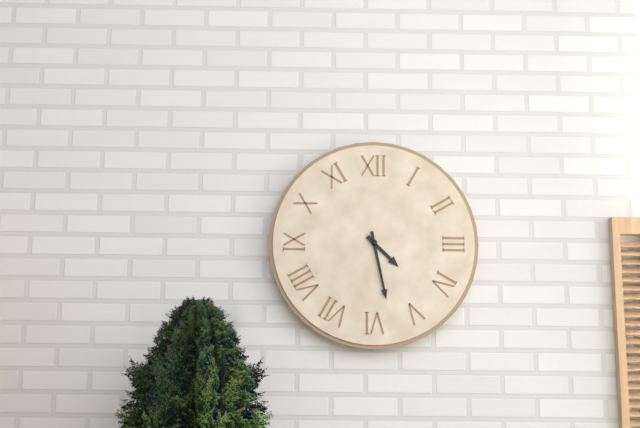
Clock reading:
**4:28**
